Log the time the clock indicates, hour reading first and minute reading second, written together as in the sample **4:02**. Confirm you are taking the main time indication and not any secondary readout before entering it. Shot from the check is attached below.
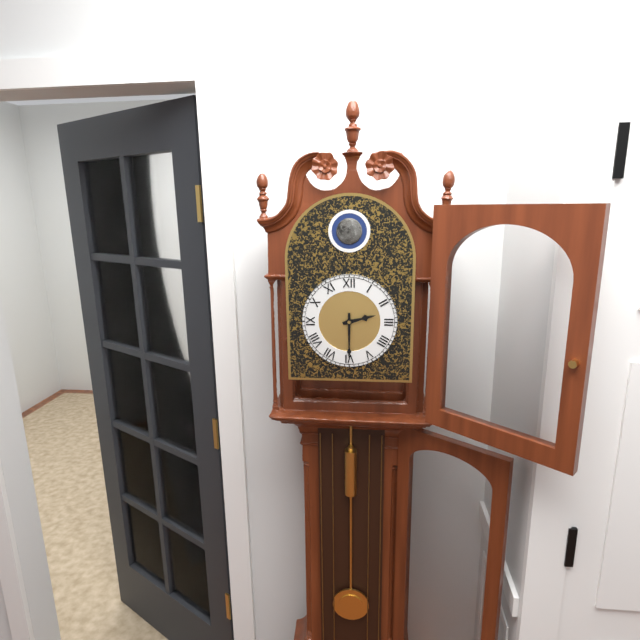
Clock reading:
**2:30**
